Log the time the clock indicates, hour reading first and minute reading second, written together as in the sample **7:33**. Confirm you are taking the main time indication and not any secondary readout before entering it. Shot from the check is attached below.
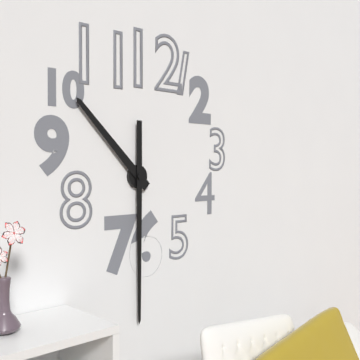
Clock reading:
**10:30**
